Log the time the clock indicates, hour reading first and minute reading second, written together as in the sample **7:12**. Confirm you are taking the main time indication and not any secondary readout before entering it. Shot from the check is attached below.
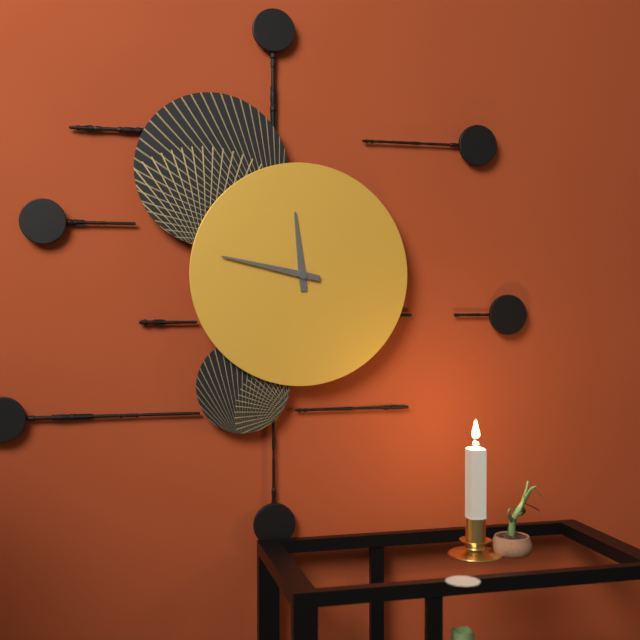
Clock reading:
**11:47**
